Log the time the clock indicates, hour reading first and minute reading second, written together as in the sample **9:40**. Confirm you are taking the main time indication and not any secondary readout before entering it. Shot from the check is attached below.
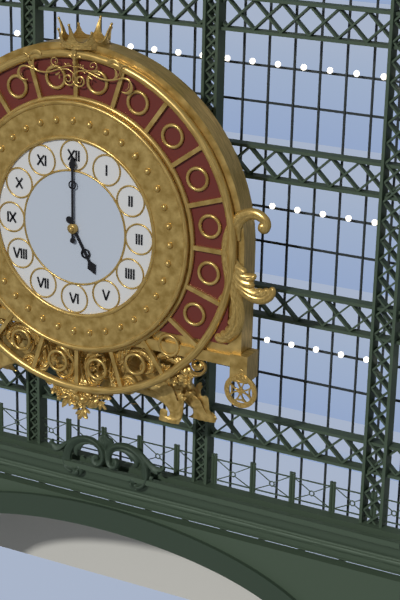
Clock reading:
**5:00**
